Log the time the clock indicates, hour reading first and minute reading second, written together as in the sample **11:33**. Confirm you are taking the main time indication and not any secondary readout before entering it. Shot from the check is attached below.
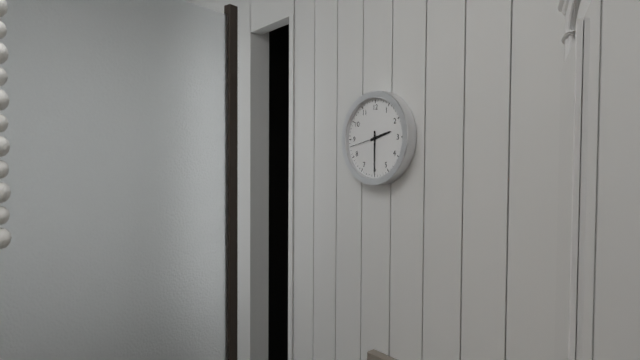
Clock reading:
**2:30**
